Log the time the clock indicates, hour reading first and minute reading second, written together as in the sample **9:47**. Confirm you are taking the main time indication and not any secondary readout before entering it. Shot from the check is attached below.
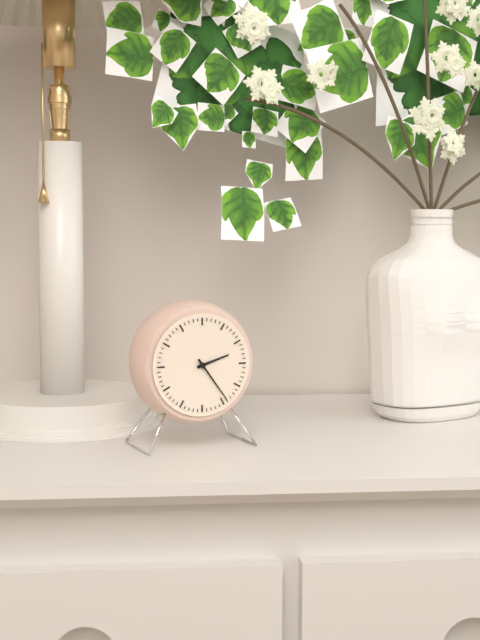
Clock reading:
**2:24**
